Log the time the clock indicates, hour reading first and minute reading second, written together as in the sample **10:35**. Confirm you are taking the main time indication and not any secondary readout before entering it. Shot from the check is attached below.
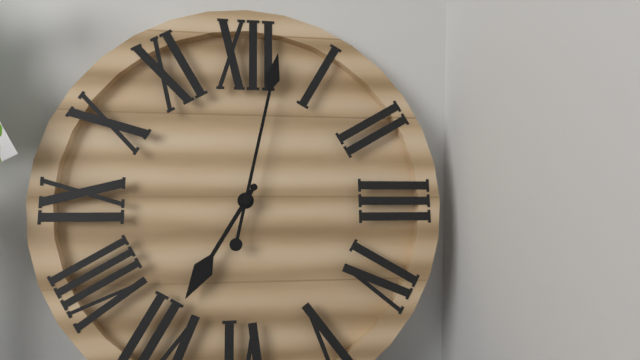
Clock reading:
**7:02**
